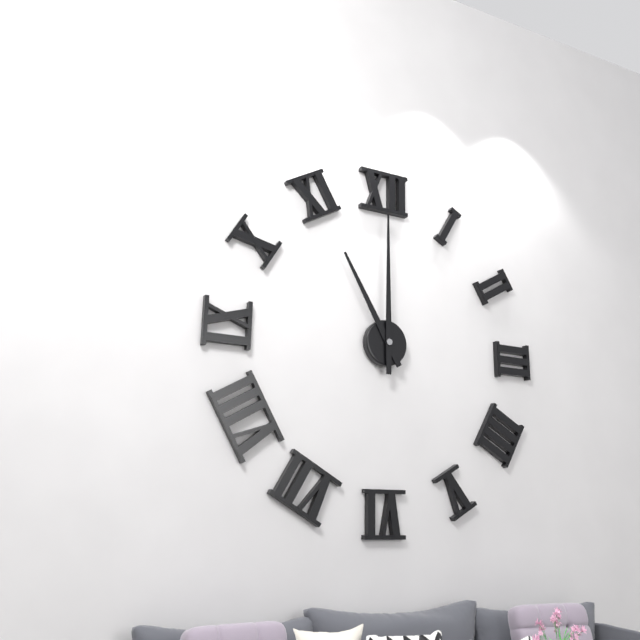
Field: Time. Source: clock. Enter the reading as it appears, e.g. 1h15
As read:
11h00
